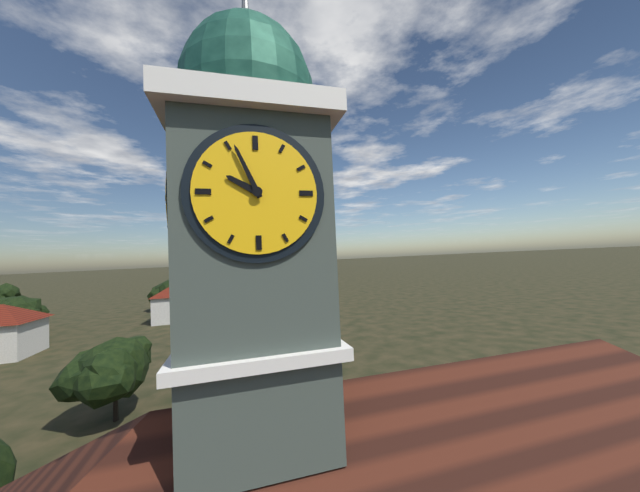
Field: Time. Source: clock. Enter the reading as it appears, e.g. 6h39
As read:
9h56
